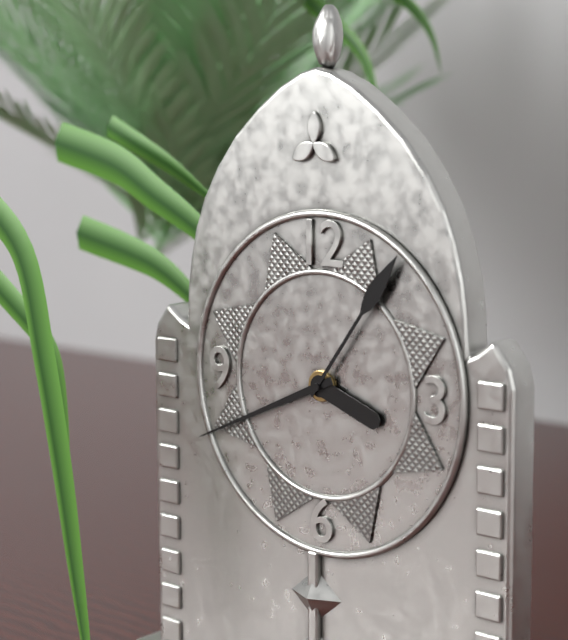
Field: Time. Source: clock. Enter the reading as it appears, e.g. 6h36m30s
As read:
3h41m06s
